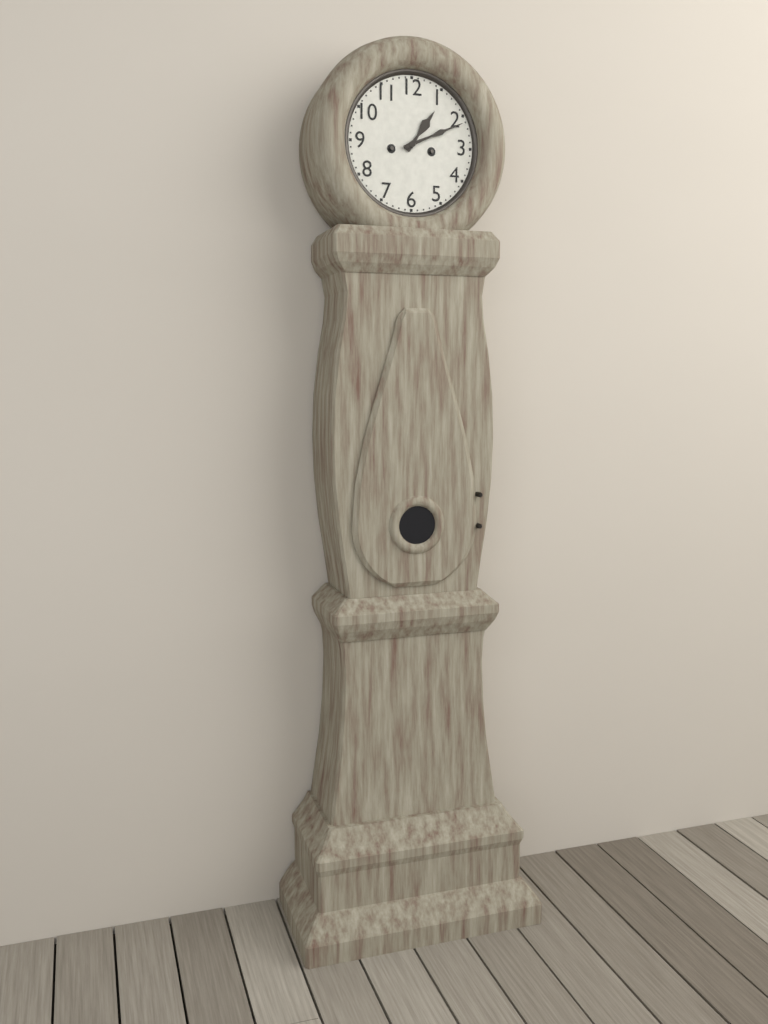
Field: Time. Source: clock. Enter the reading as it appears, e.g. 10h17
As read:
1h11
